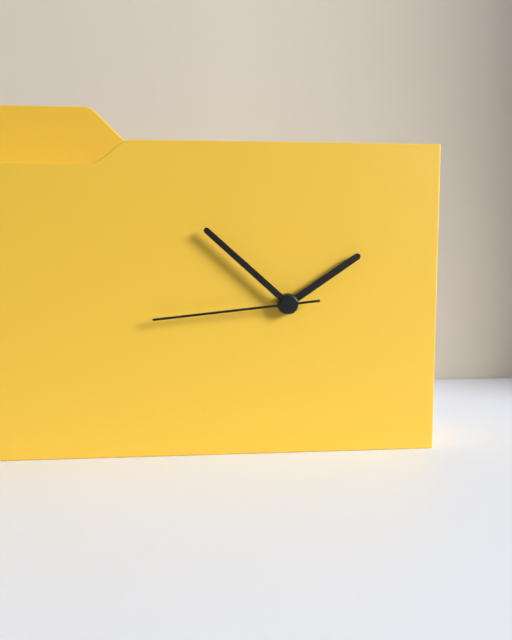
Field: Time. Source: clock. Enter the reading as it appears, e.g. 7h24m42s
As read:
1h52m44s
